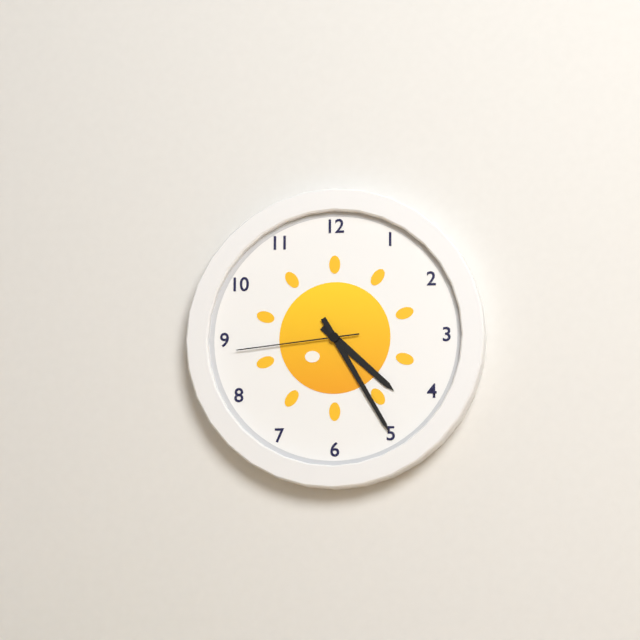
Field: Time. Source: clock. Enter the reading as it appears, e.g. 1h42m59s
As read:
4h25m44s
